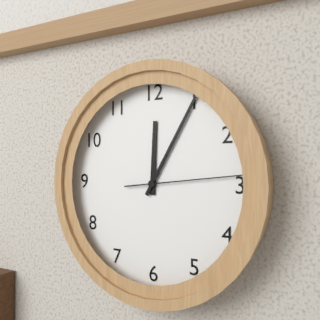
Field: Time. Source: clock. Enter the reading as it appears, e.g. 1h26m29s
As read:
12h05m14s
